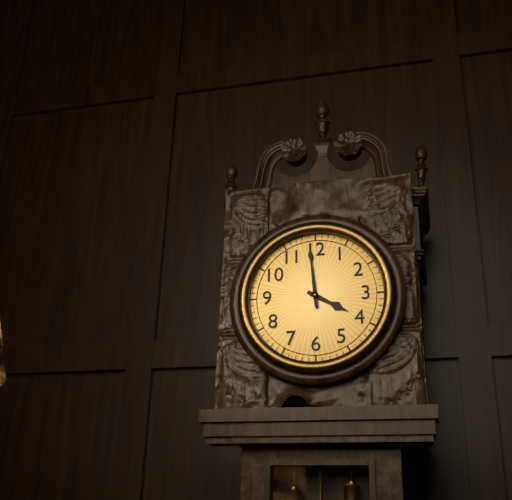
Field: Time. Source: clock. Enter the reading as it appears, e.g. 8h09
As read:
3h59
